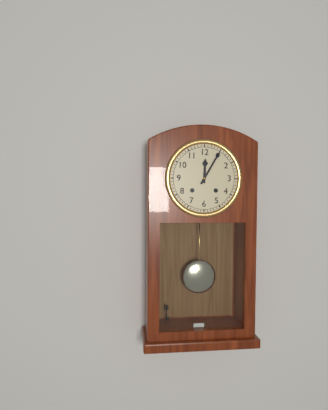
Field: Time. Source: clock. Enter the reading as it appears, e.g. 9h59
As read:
12h05
